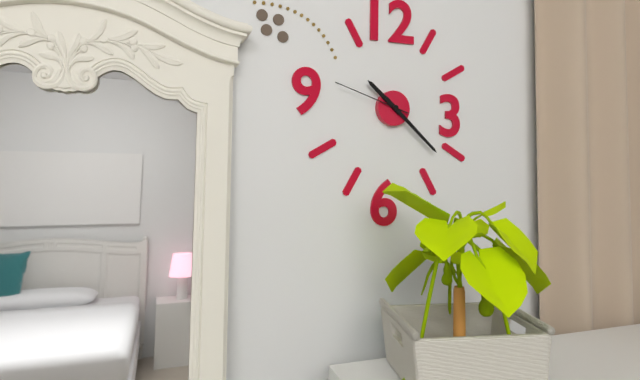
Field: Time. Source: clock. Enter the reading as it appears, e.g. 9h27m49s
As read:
10h22m48s
